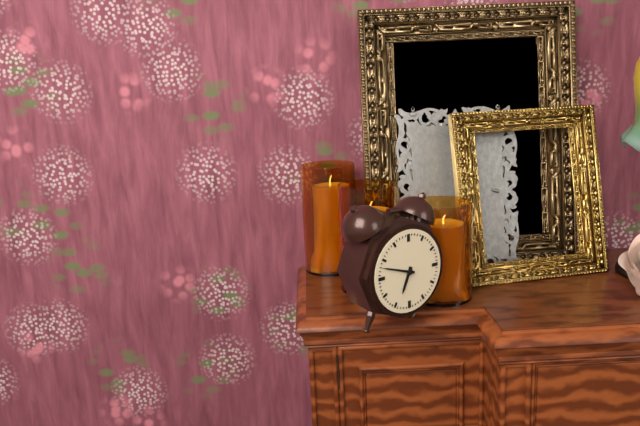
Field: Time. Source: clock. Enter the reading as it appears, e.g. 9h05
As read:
6h48
